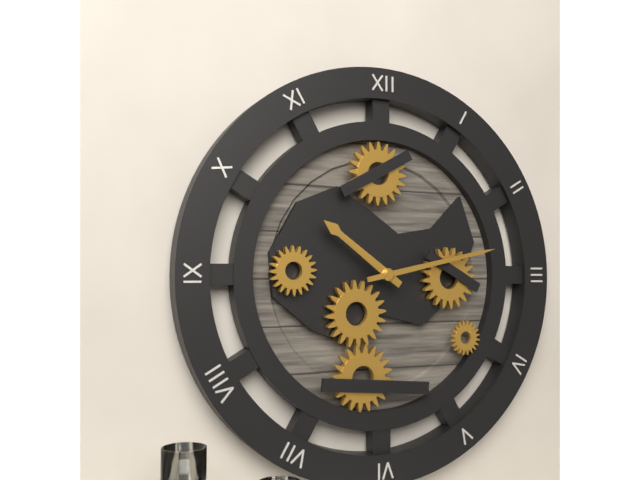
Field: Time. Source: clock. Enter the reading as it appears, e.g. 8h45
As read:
10h13
